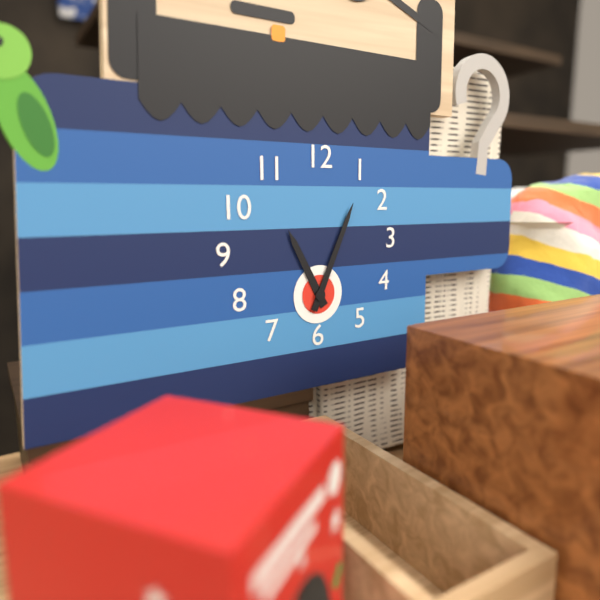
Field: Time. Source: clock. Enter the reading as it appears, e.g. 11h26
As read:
11h04
